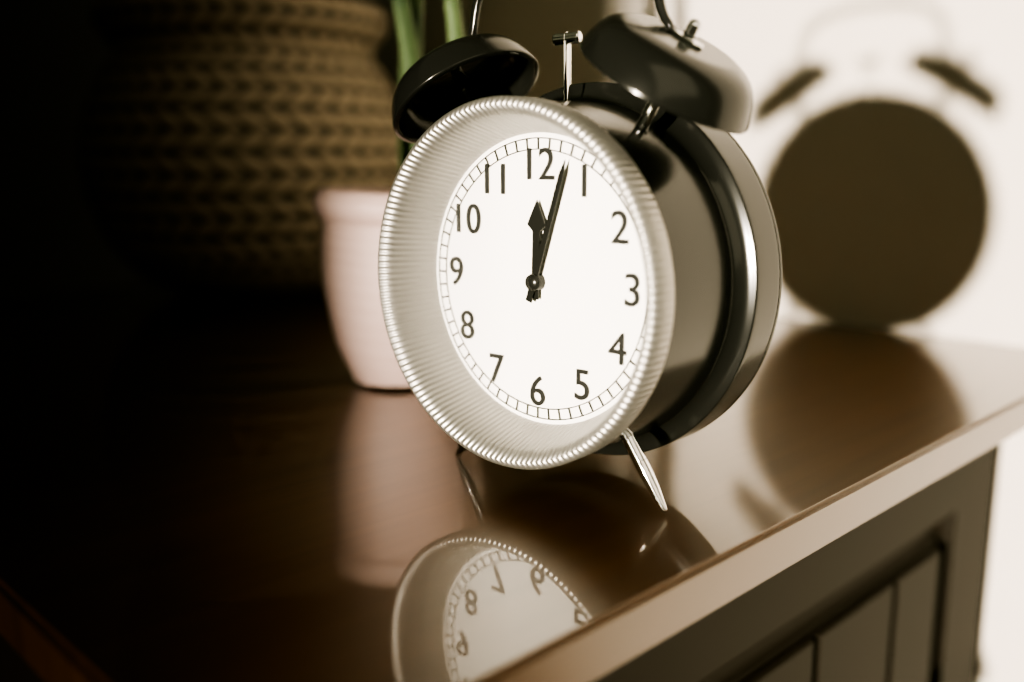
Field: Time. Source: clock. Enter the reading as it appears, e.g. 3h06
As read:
12h03
